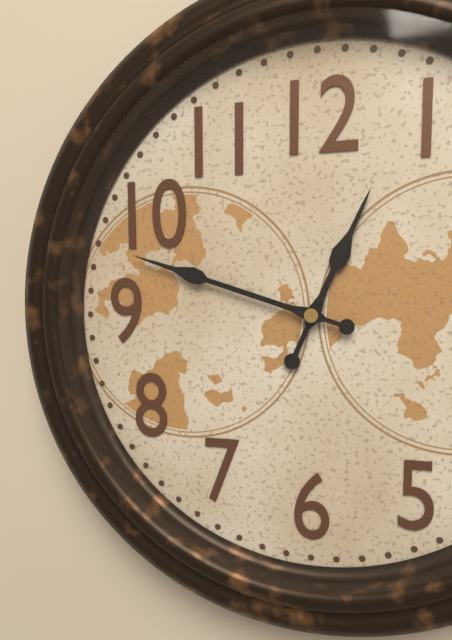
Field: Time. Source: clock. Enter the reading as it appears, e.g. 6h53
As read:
12h48
